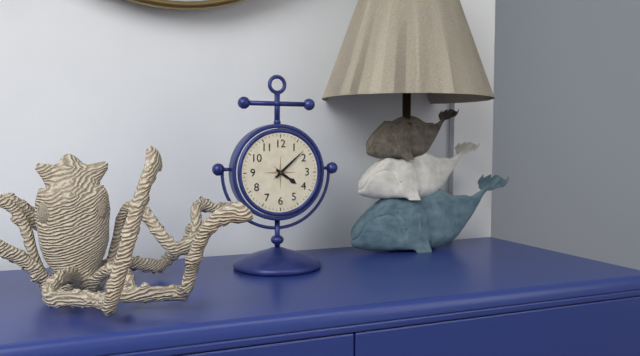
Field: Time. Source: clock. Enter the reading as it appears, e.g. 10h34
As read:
4h08
